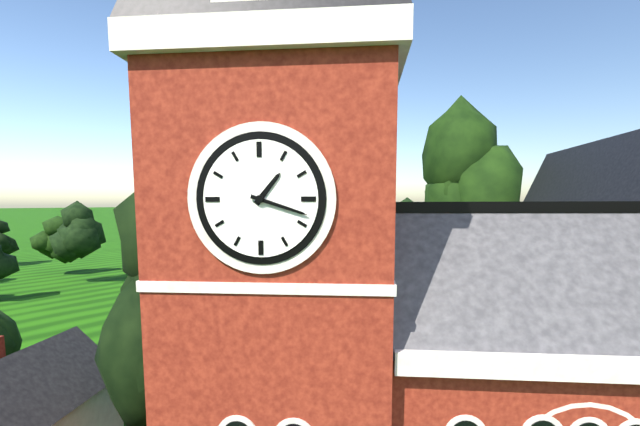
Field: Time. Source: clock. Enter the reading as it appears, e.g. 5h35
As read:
1h18
